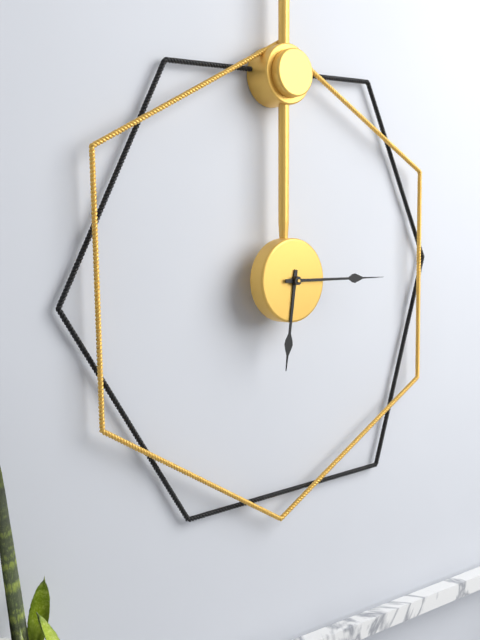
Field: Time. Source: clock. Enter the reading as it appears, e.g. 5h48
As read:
6h15
